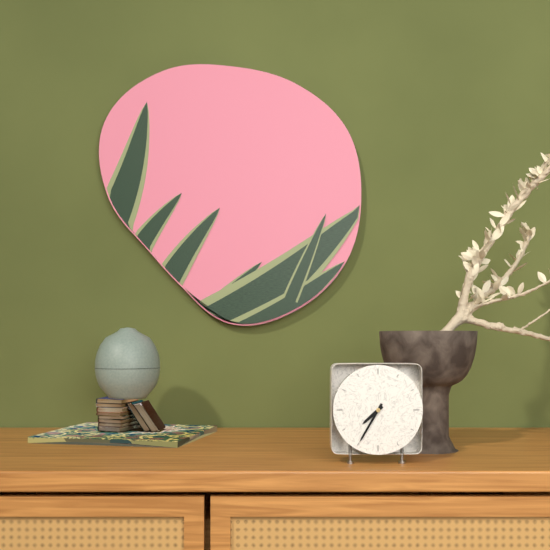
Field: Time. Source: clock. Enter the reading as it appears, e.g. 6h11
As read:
7h35
